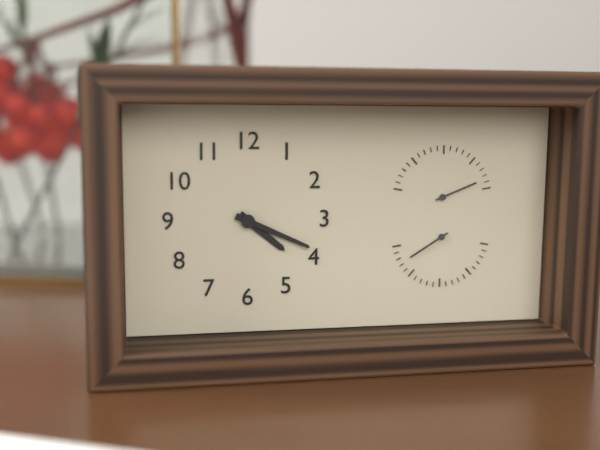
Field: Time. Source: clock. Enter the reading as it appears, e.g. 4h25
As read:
4h19
